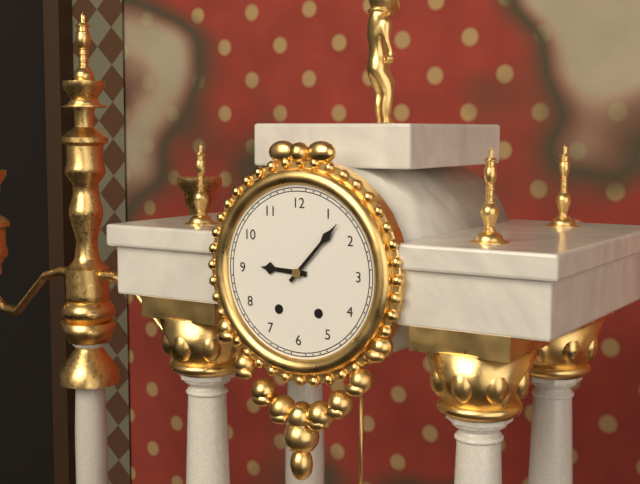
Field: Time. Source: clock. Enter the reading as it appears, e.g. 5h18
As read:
9h07
